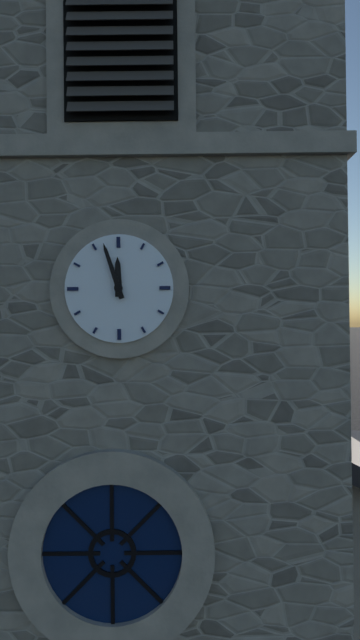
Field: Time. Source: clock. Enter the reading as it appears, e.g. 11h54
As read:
11h57
